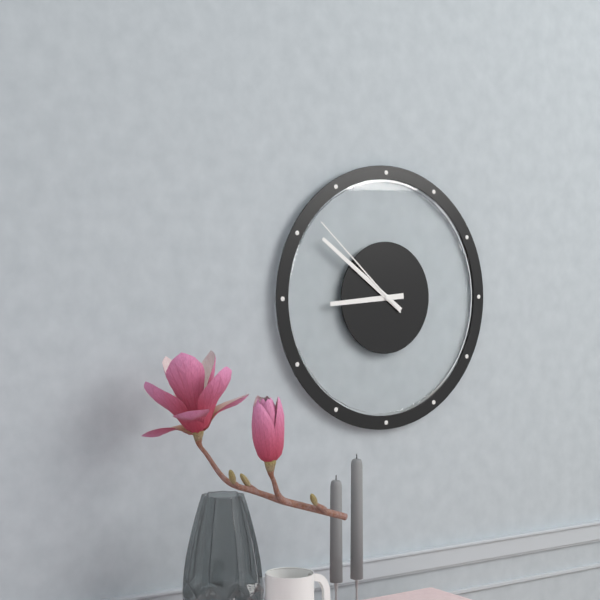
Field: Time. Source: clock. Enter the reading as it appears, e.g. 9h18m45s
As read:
8h51m52s
